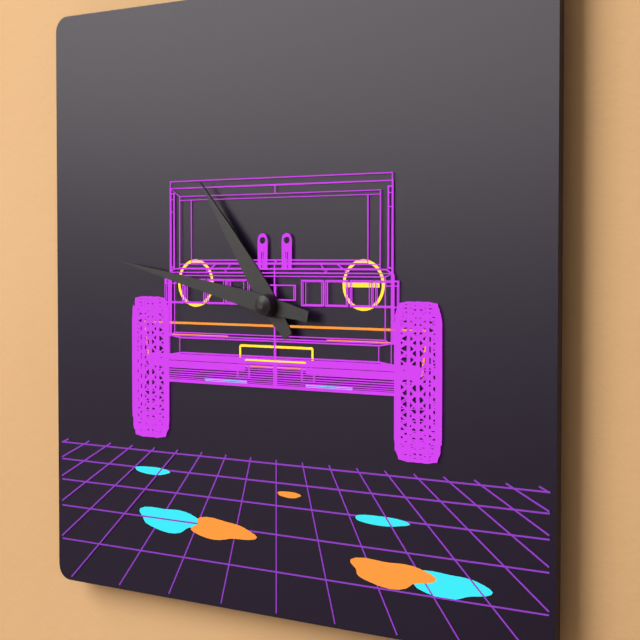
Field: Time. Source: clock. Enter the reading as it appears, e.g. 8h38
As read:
10h47
